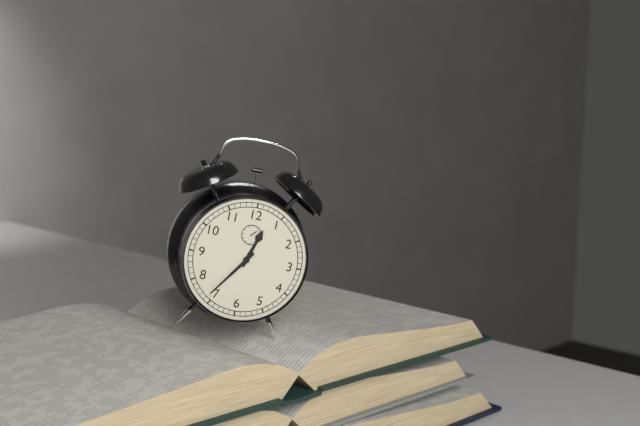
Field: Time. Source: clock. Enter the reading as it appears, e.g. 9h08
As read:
12h36
